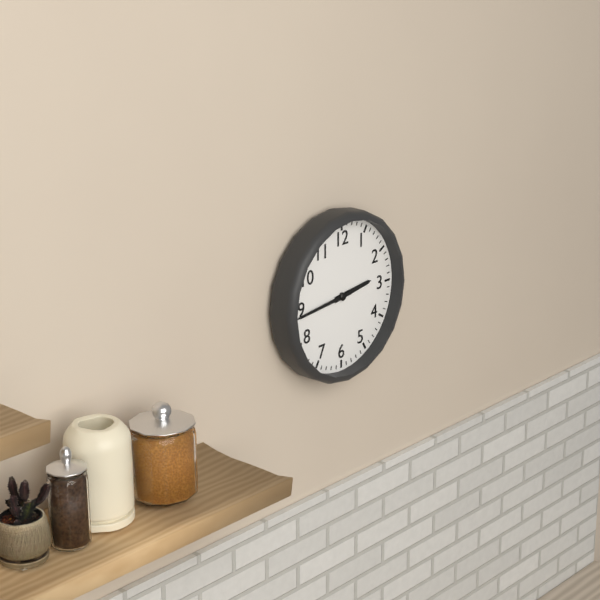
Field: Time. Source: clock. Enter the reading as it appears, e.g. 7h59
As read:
2h44
